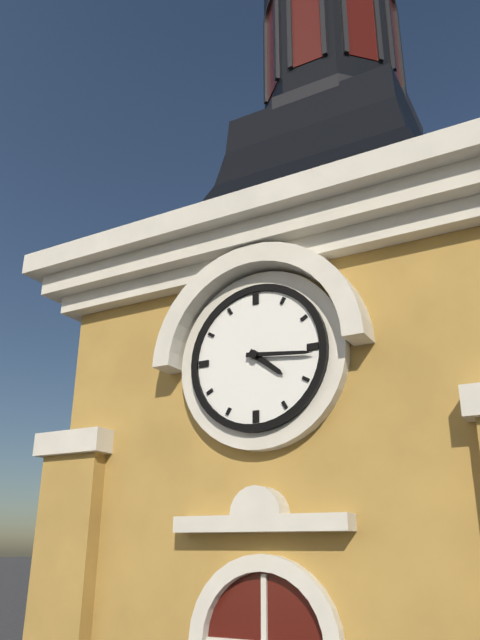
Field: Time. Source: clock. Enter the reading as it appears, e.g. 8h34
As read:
4h16
